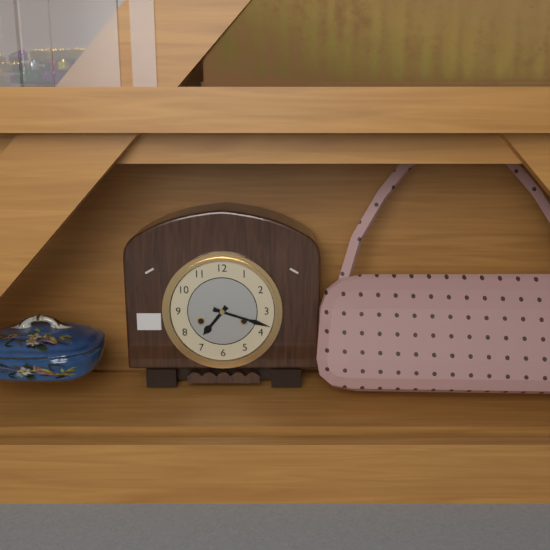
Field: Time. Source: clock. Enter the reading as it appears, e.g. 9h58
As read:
7h18
